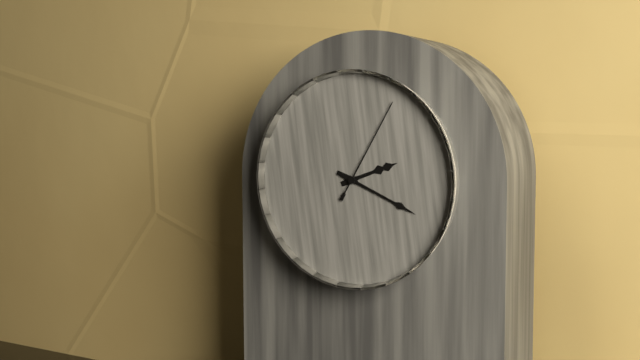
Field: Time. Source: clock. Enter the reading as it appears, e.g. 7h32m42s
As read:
2h19m05s
